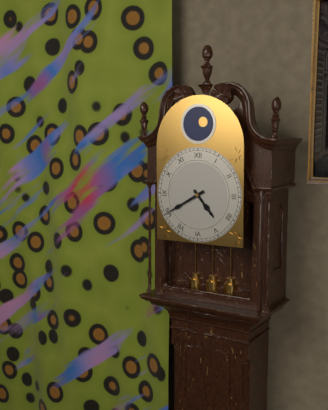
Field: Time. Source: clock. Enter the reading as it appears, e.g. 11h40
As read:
4h40
